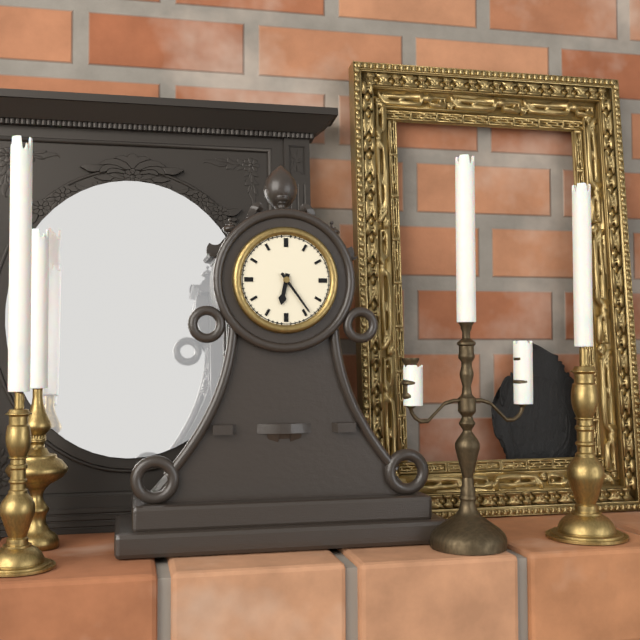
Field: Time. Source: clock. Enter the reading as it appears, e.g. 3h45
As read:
6h24
